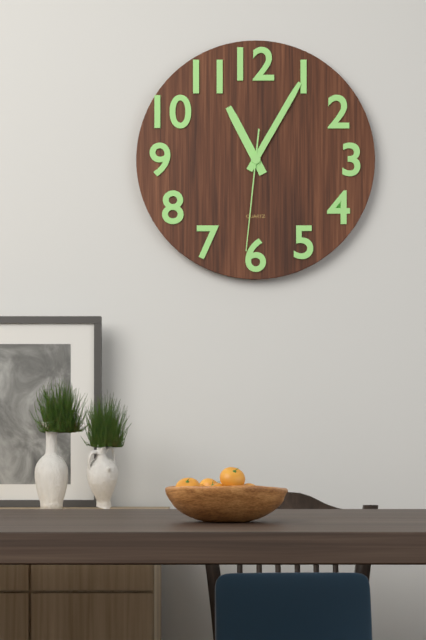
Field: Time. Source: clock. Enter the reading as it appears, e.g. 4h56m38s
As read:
11h05m31s
